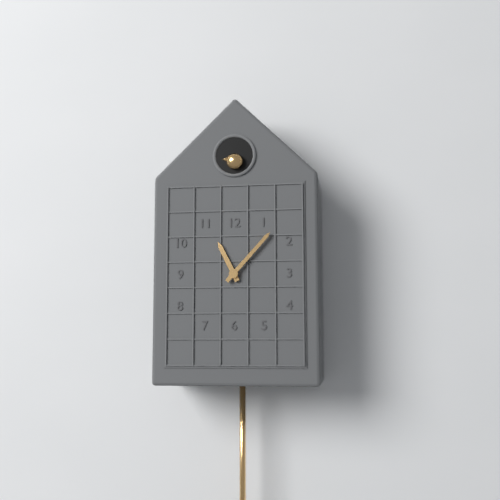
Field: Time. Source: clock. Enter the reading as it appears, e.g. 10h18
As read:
11h07
